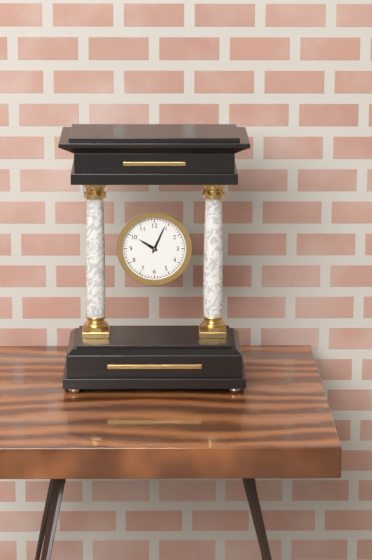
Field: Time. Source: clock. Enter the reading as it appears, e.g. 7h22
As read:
10h04
